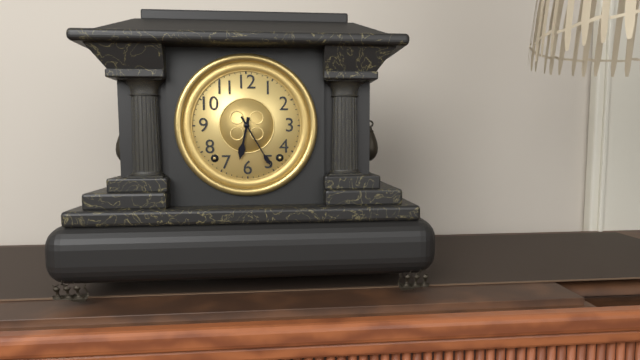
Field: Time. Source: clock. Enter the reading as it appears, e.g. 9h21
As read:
6h25
